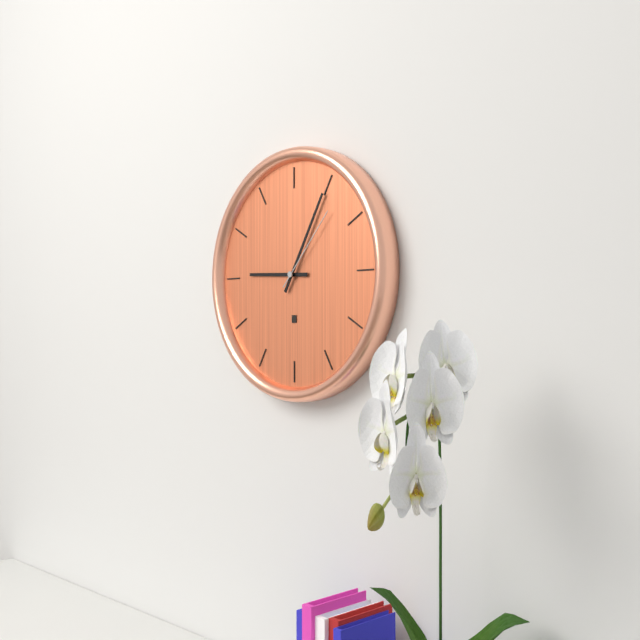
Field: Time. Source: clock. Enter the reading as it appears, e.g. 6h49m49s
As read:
9h05m07s
